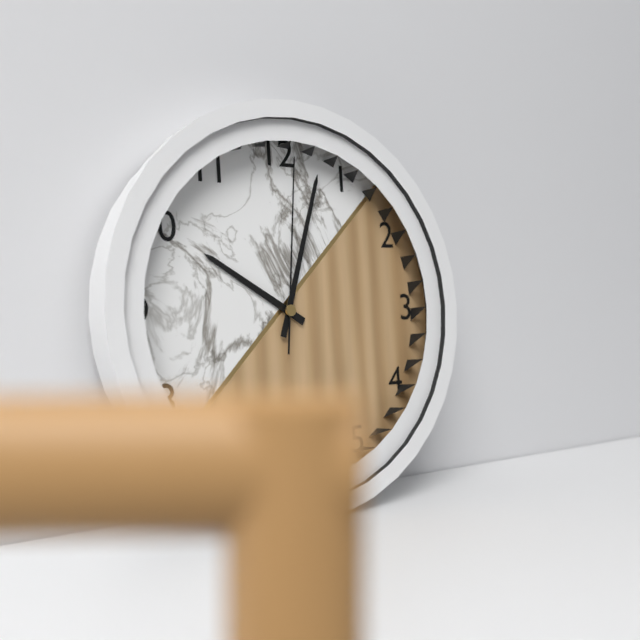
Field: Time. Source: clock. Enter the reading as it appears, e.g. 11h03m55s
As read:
10h03m01s
